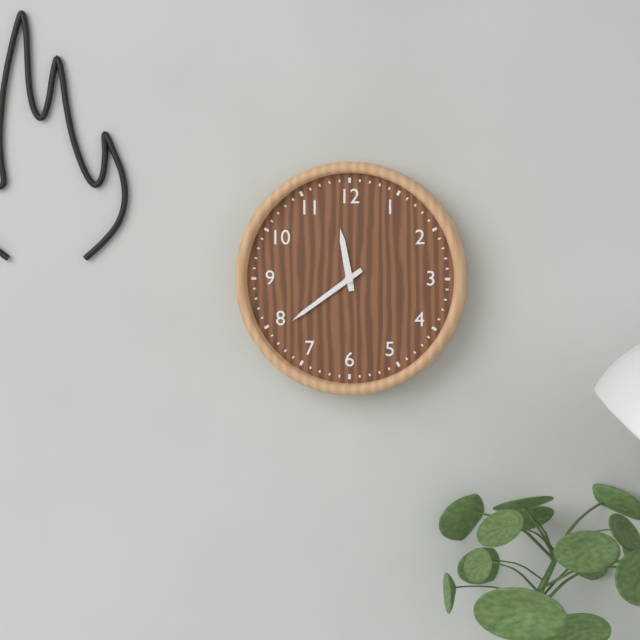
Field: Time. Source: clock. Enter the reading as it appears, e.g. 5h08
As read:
11h39
